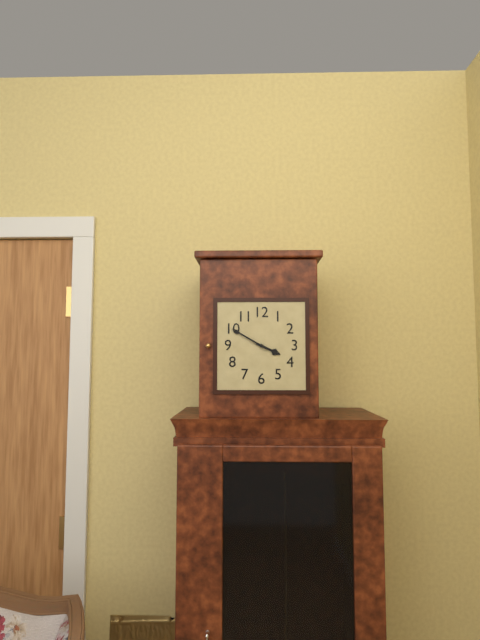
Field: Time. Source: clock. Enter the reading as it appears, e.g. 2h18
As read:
3h50
